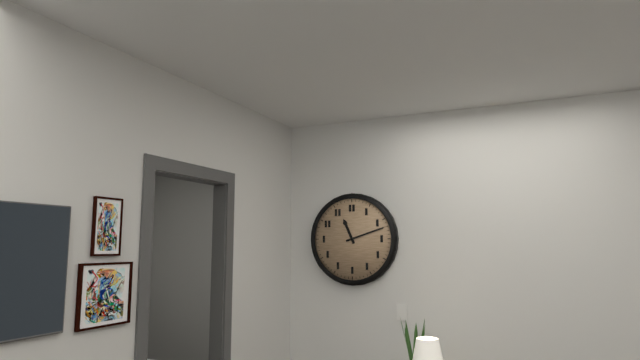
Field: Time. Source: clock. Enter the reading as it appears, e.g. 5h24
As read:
11h12
